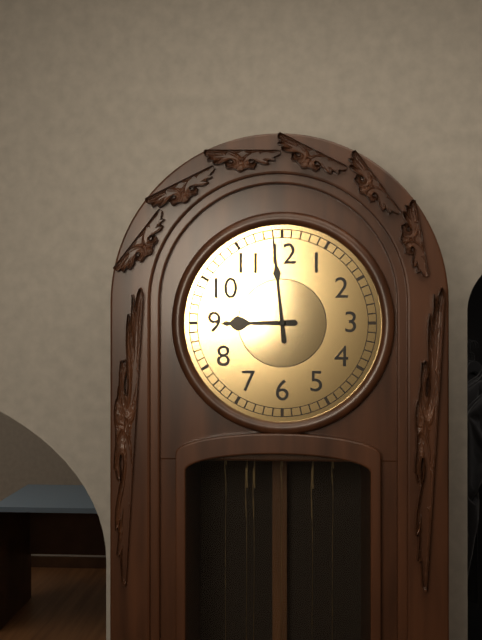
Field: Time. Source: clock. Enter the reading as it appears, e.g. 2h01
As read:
8h59
